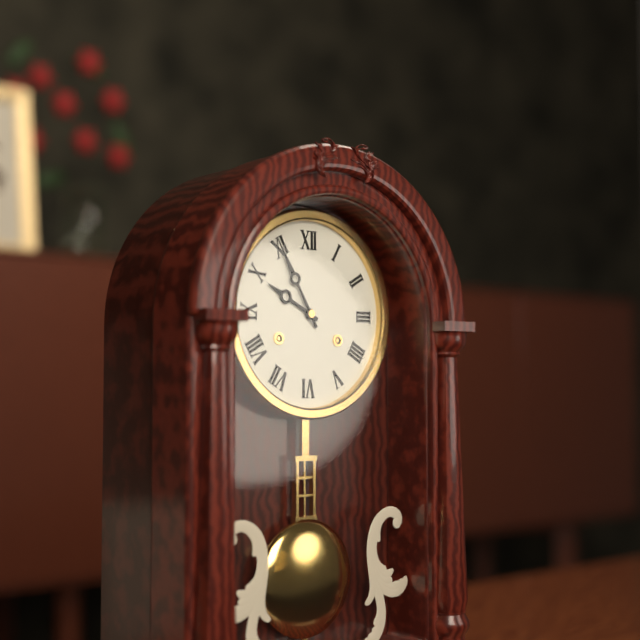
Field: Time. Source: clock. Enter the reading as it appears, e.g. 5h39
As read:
9h55
